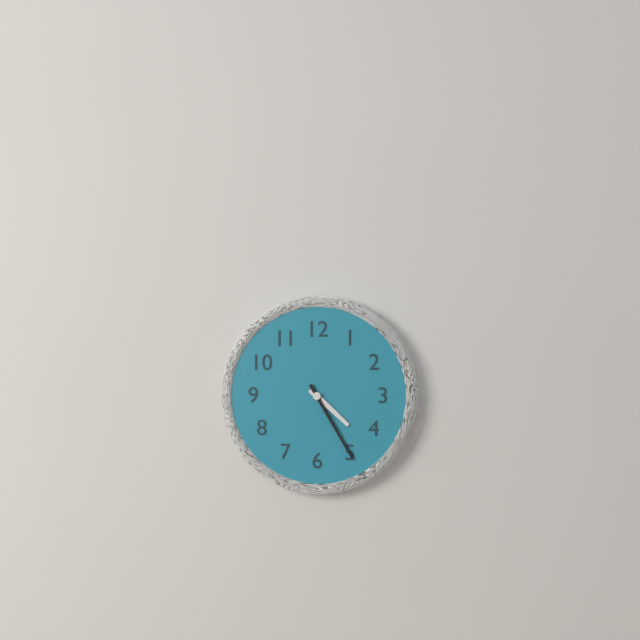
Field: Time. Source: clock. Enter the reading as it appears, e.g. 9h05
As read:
4h25
